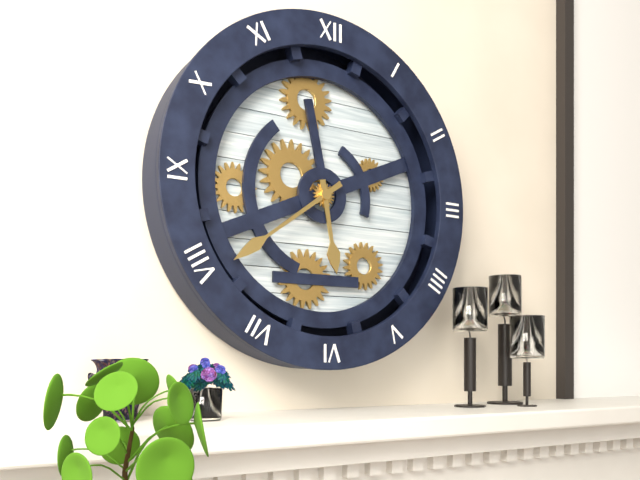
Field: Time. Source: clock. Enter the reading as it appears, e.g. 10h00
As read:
5h39
